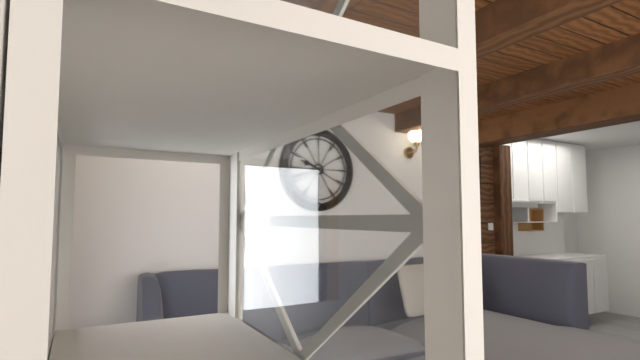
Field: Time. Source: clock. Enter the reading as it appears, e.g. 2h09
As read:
9h42
